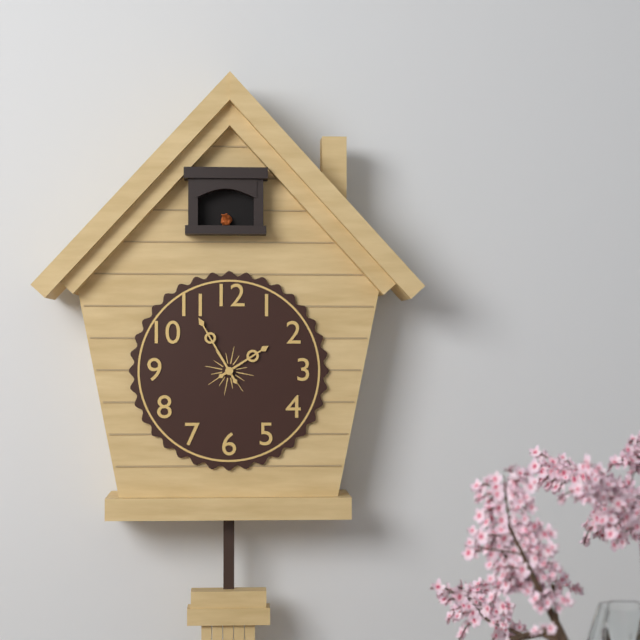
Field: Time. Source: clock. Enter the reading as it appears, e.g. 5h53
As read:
1h55
